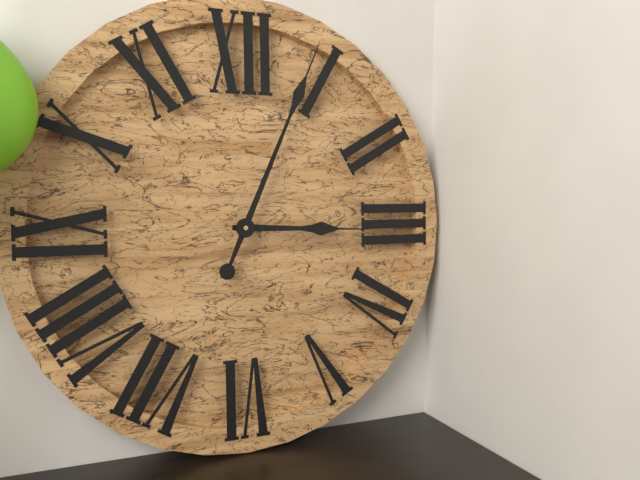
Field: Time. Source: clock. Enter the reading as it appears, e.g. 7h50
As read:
3h04
